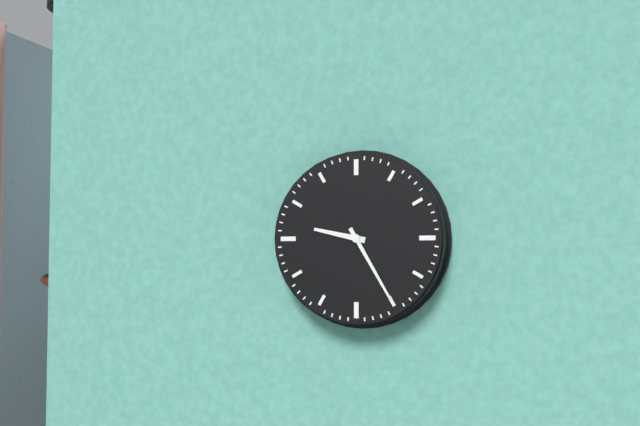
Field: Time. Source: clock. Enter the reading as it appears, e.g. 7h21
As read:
9h25
